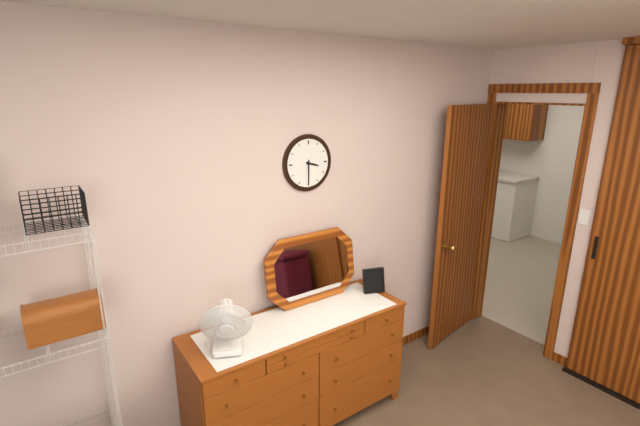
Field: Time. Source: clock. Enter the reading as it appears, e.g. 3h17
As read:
3h30
